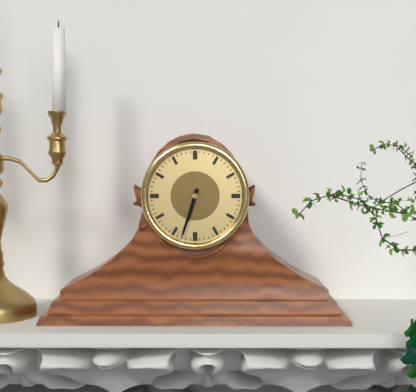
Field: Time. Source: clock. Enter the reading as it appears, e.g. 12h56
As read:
6h33
